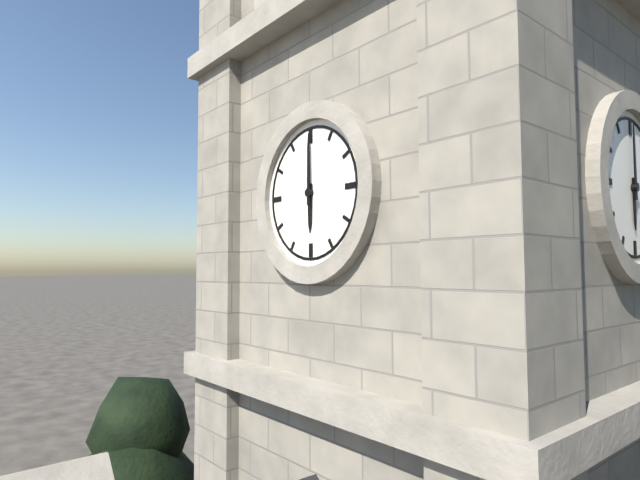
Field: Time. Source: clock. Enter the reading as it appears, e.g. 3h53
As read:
6h00
